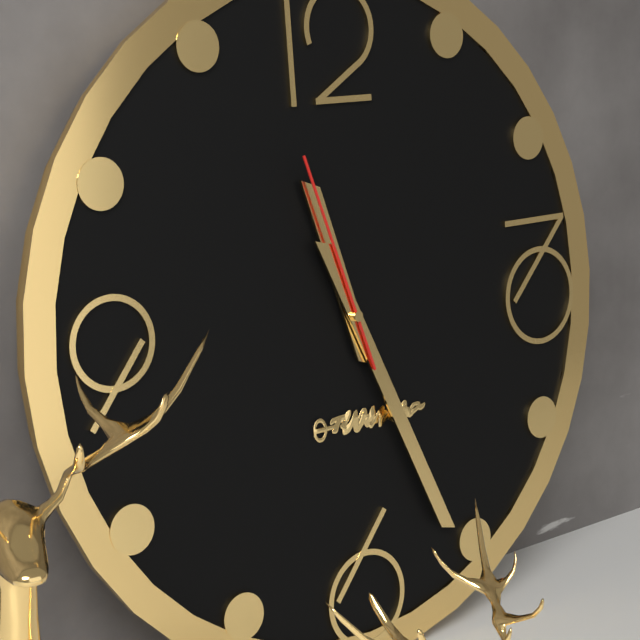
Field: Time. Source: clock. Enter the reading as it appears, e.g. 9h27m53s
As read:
11h26m57s
